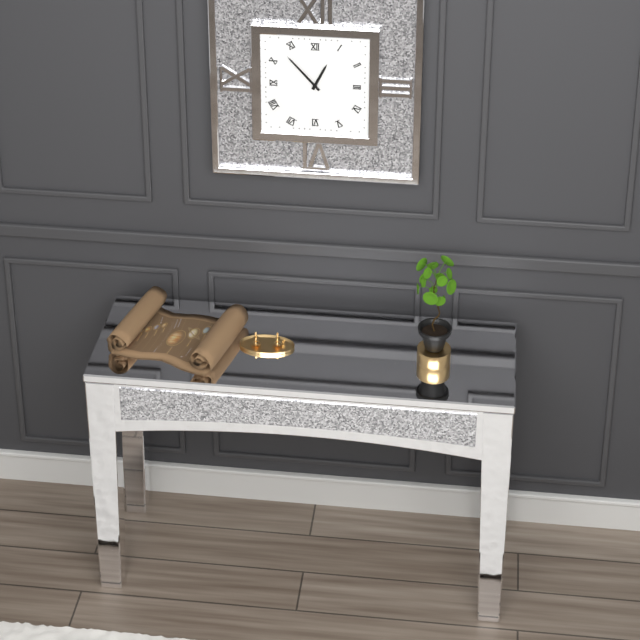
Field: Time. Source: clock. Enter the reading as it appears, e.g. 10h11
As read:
12h53
